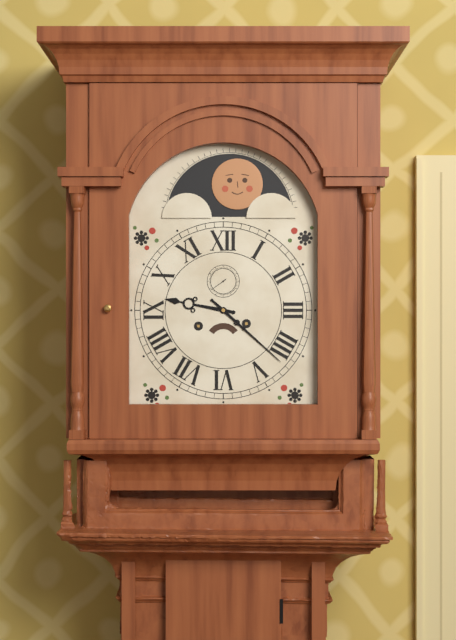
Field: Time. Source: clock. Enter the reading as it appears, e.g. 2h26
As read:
9h22
